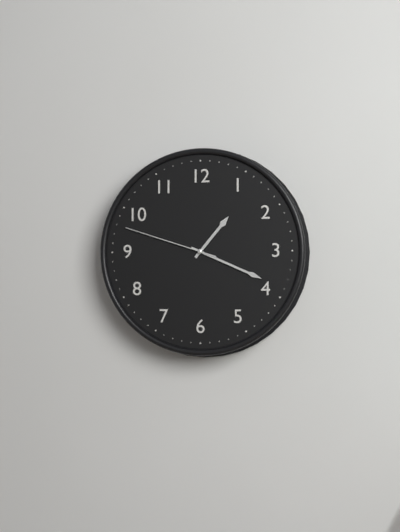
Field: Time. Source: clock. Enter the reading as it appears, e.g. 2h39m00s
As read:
1h19m48s
